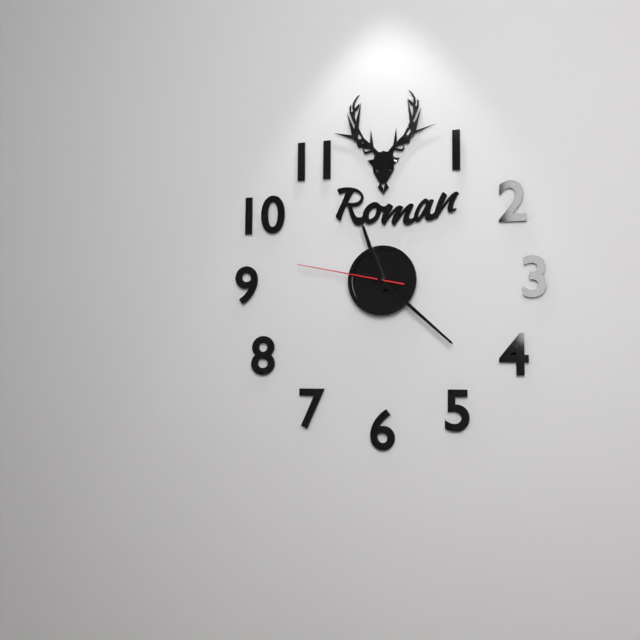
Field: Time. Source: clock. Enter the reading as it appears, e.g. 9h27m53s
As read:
11h22m47s
